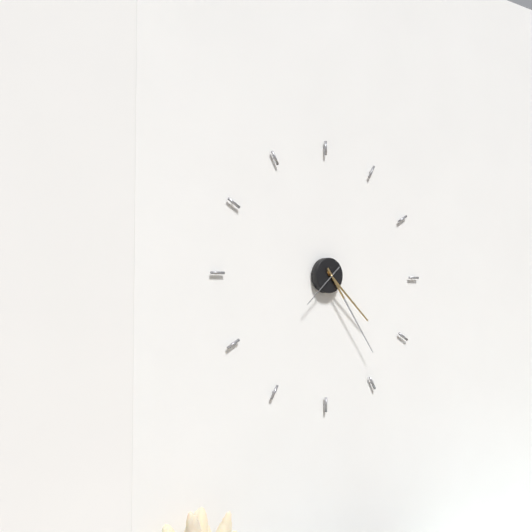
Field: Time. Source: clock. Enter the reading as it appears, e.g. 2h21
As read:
4h24
